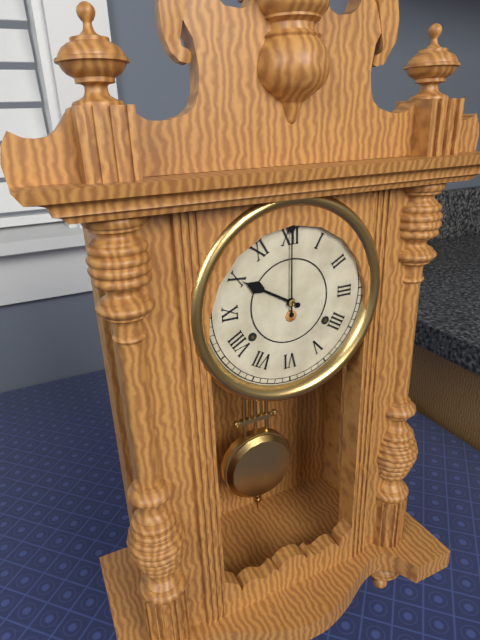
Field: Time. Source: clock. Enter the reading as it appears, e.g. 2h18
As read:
10h00
